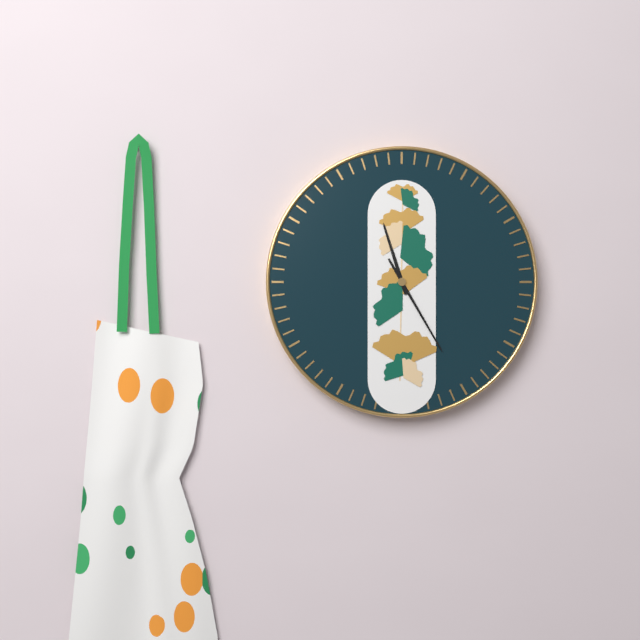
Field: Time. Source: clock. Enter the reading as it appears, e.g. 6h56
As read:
11h25
